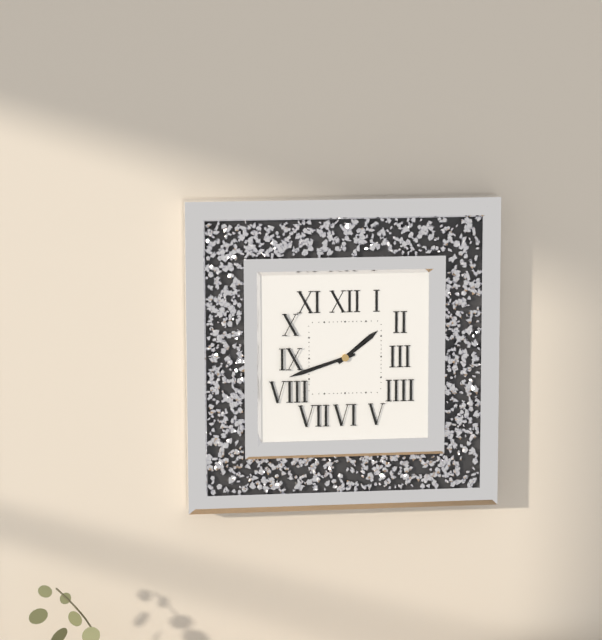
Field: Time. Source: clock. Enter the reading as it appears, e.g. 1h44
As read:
1h42
